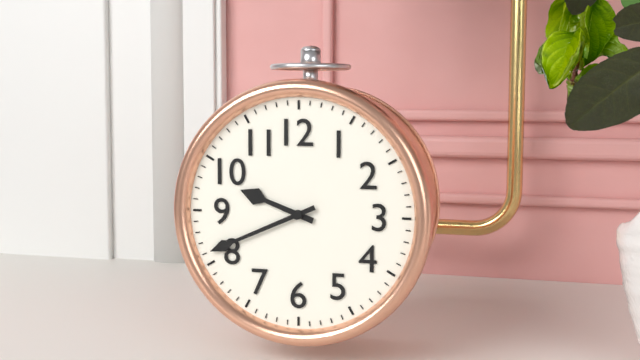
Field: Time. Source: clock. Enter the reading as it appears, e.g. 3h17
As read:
9h41
